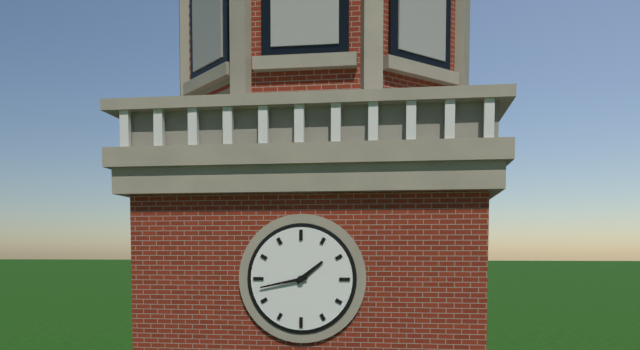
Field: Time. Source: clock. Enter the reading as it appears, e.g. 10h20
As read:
1h43
